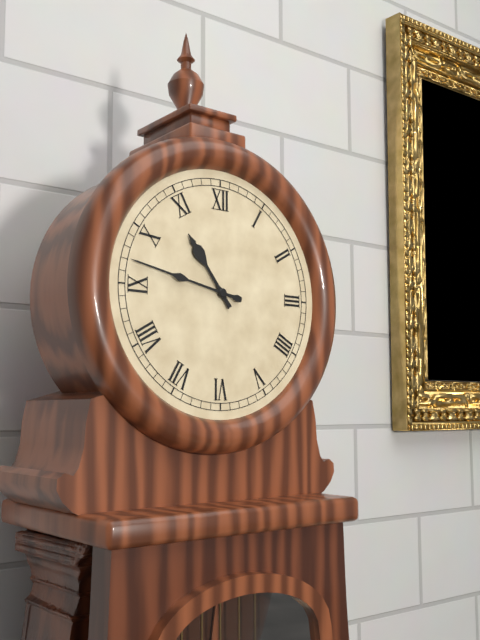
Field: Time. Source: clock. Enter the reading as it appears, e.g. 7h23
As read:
10h47
